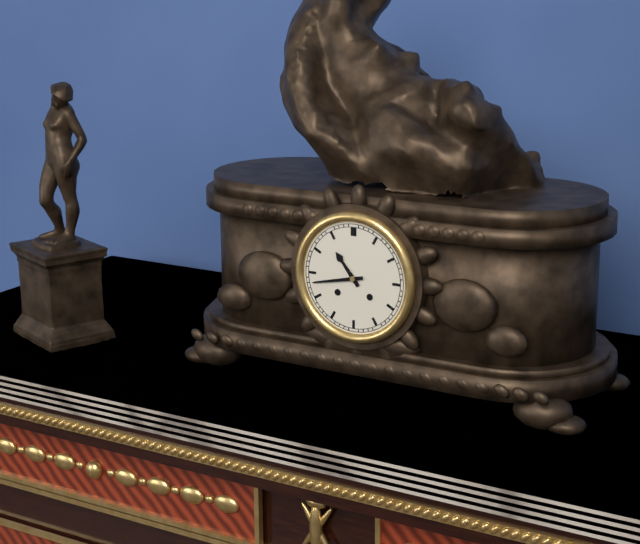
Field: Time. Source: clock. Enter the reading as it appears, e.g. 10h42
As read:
10h43
